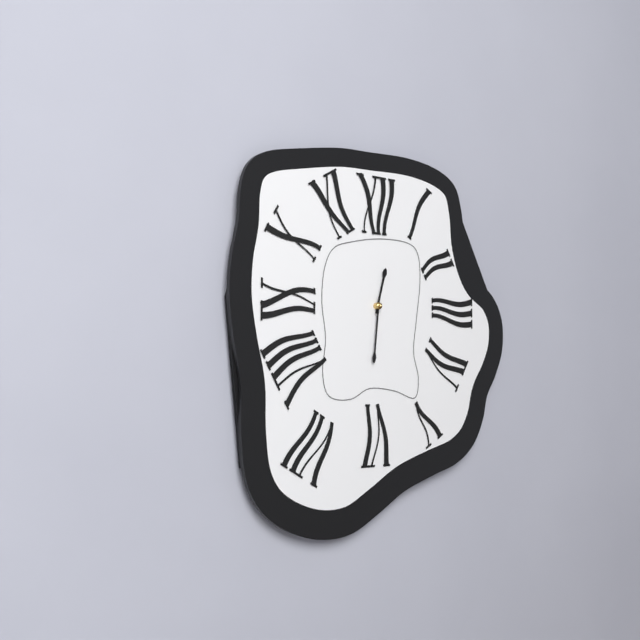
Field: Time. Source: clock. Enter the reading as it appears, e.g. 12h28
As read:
12h31
